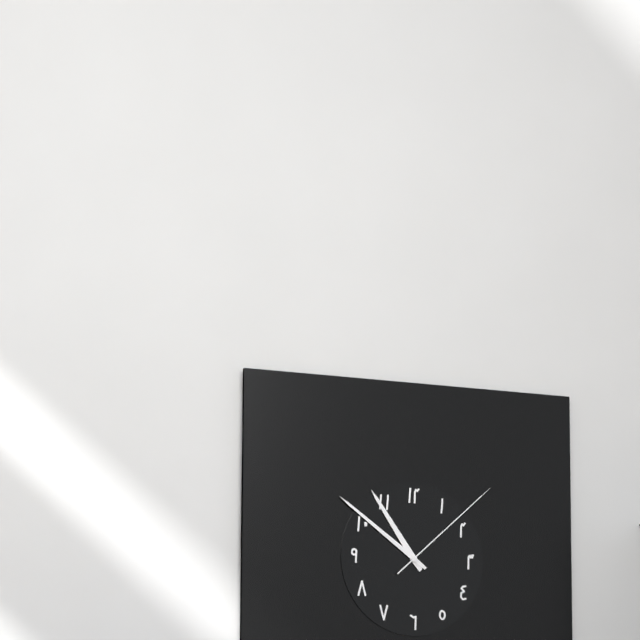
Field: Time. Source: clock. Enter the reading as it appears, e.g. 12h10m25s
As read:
10h51m08s
